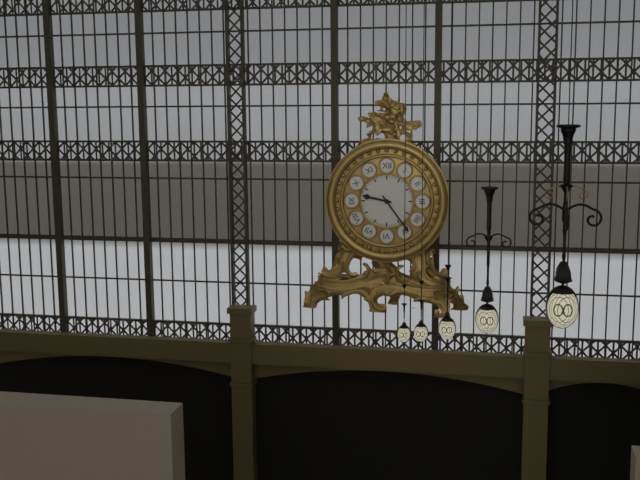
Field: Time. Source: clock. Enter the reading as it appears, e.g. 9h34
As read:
9h24
